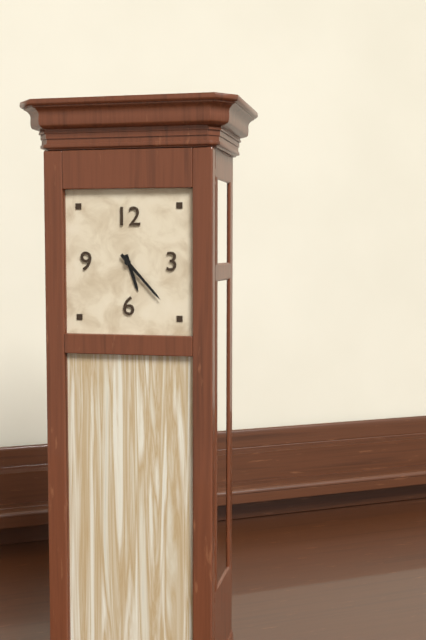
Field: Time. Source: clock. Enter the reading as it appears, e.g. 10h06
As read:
5h23
